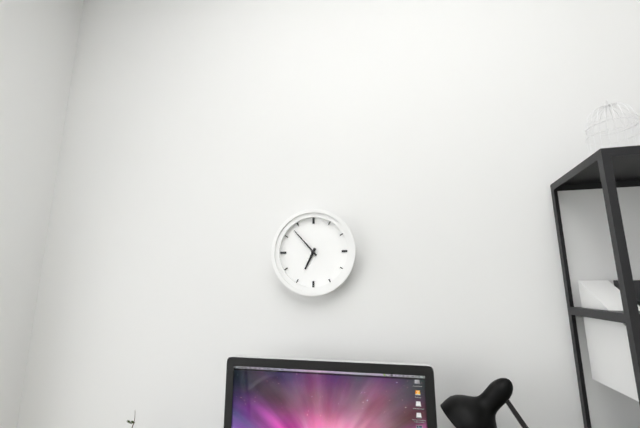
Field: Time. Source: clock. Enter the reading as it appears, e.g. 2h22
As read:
6h53
